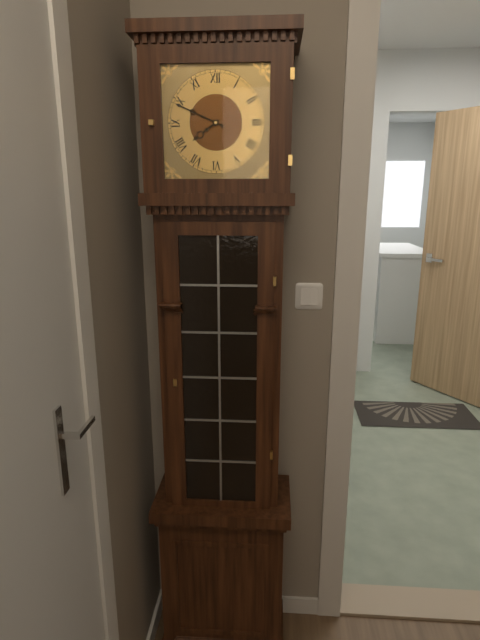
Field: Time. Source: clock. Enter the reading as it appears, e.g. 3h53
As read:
7h49
